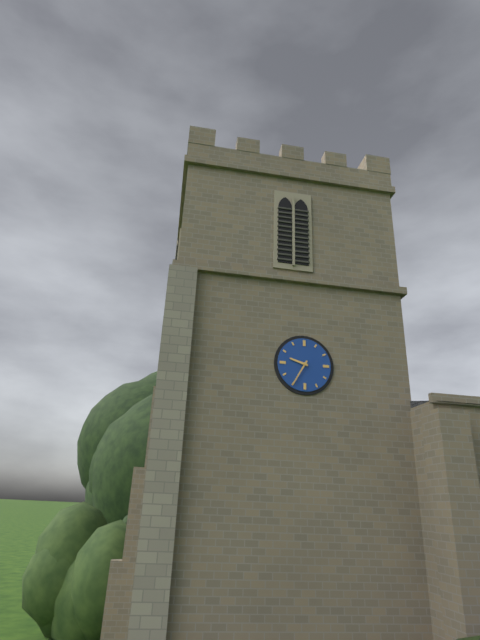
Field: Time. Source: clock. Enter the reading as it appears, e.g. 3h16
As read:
9h35
